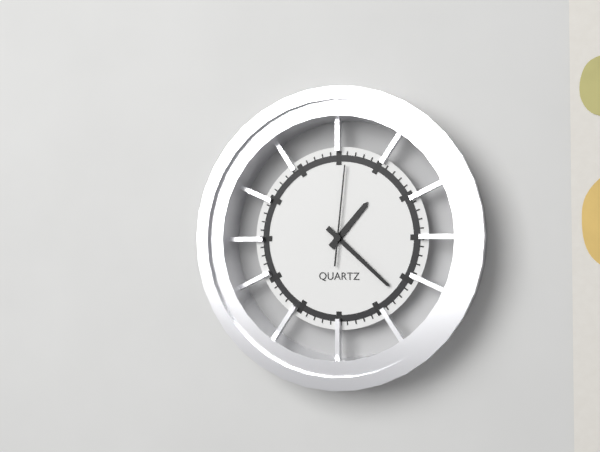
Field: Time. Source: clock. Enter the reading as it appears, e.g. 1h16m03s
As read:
1h22m01s
